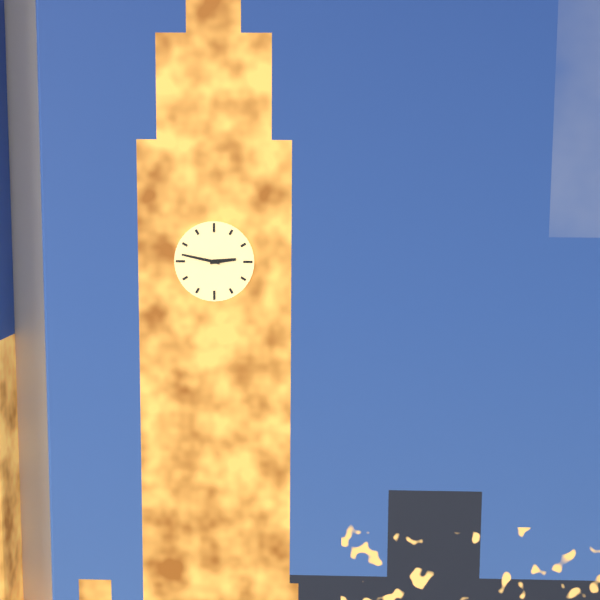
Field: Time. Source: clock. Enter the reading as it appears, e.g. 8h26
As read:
2h47
